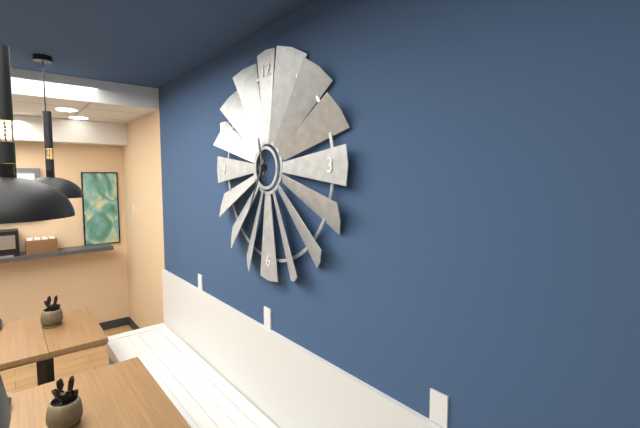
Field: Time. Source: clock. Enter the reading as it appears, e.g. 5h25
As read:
11h35
